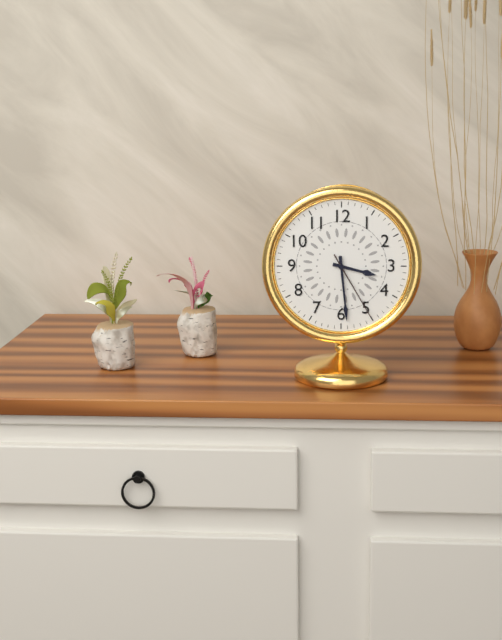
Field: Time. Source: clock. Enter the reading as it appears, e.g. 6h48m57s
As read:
3h29m25s
